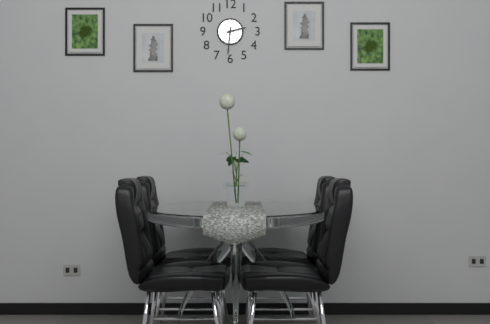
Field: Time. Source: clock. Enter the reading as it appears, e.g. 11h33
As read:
2h31
